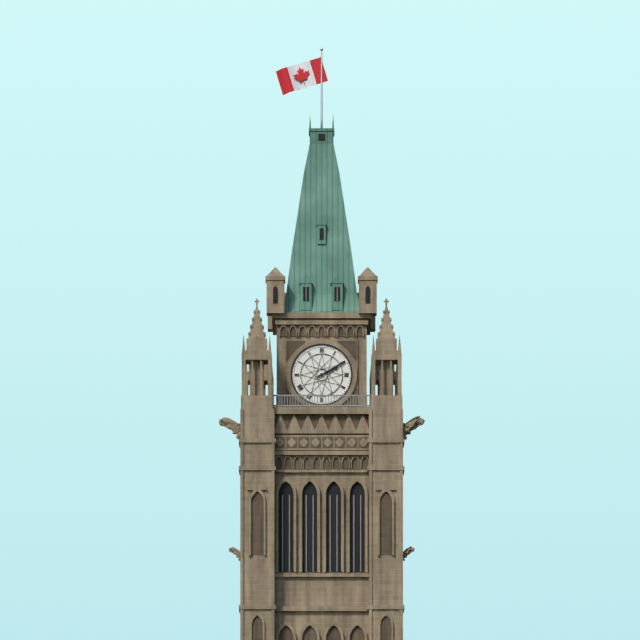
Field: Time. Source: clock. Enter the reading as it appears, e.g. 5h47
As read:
2h10
